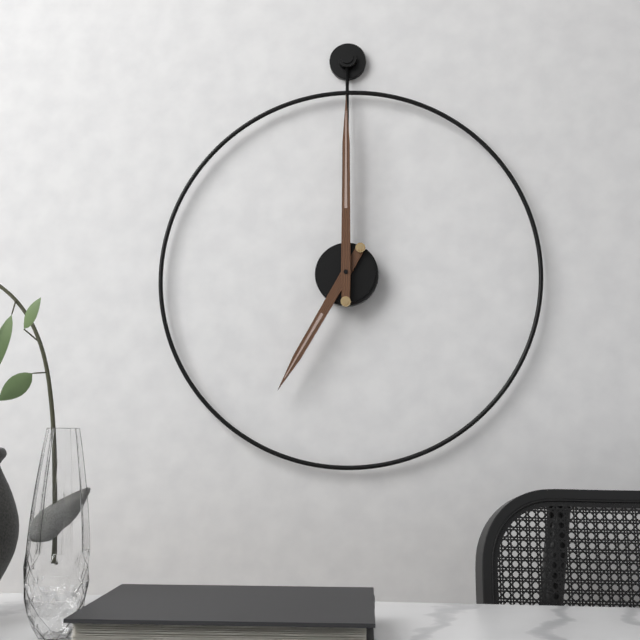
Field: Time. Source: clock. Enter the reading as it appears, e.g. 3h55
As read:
7h00
